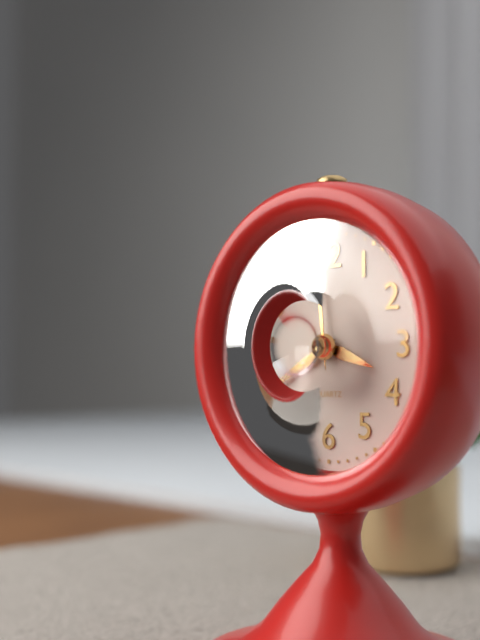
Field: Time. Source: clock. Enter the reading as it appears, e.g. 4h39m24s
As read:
3h40m59s
